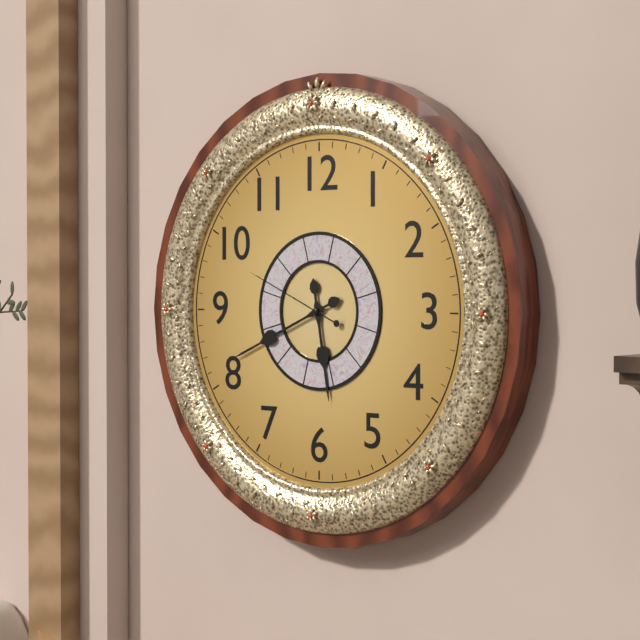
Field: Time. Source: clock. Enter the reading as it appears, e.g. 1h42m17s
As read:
5h41m49s
